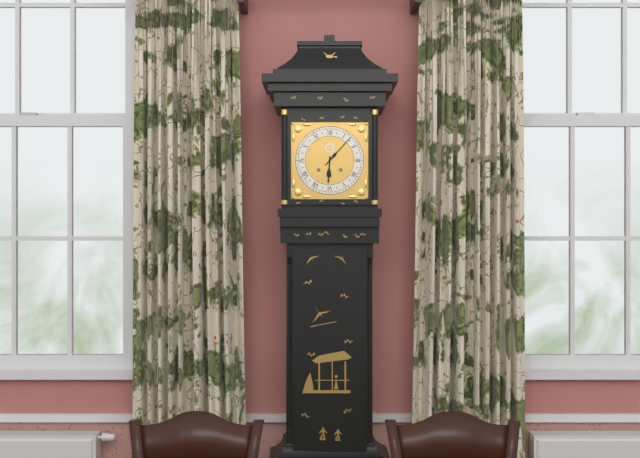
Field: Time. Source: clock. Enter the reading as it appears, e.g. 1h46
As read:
6h07
